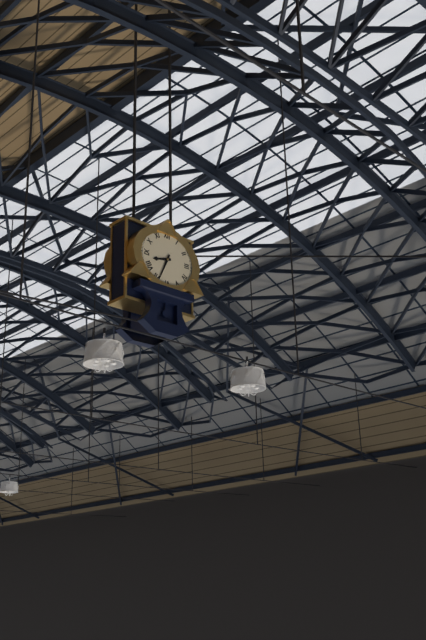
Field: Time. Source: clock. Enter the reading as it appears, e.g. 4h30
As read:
8h34
